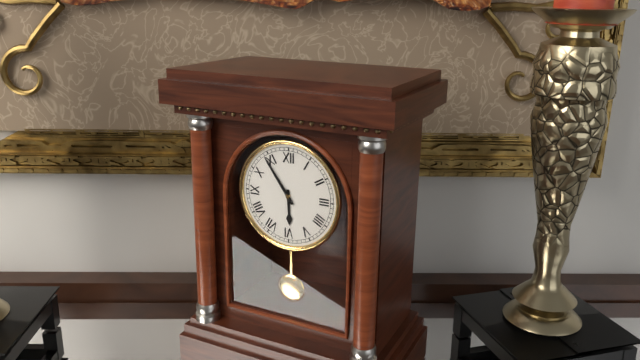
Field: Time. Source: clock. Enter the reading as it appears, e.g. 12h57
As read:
5h54
